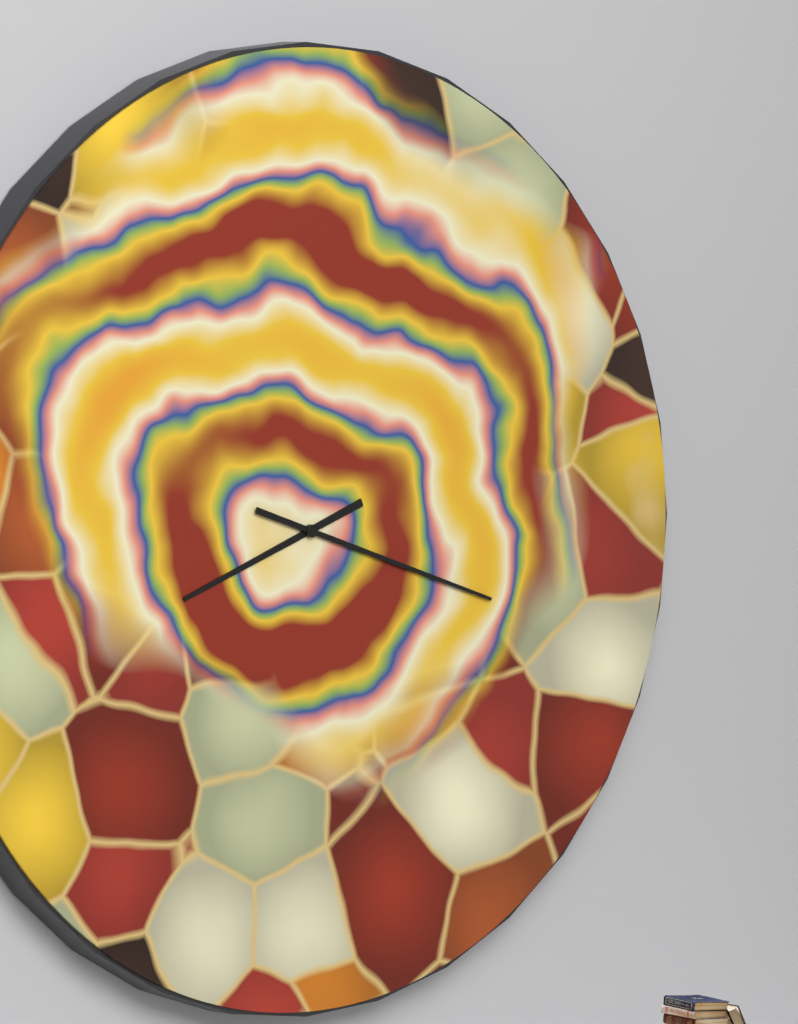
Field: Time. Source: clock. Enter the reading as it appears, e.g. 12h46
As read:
8h18
